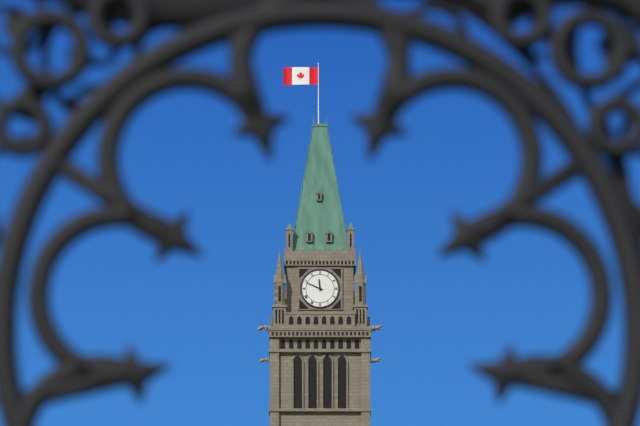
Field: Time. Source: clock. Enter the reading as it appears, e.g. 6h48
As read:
11h49
